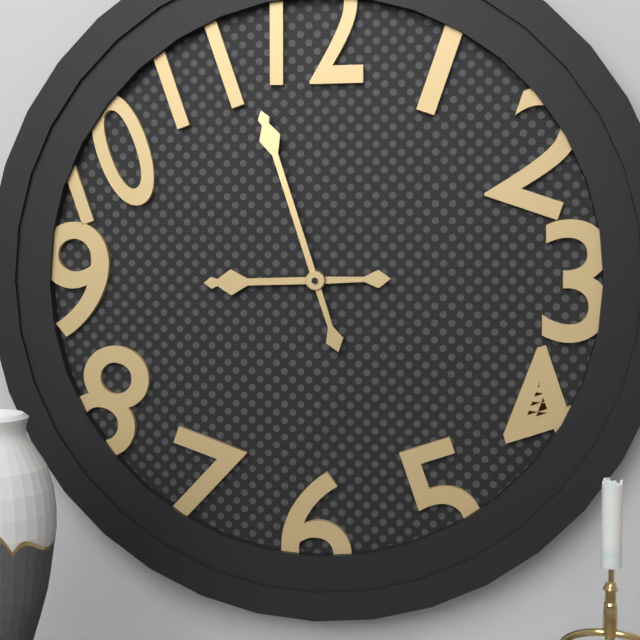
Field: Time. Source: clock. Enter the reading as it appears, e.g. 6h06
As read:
8h57
